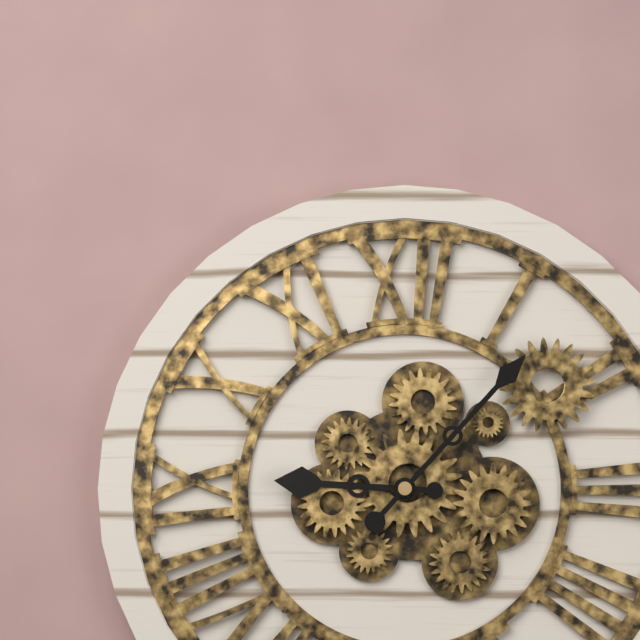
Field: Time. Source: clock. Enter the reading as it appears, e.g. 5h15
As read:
9h07
